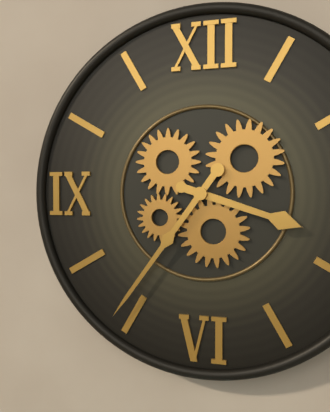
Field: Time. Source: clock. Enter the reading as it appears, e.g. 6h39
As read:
3h36
